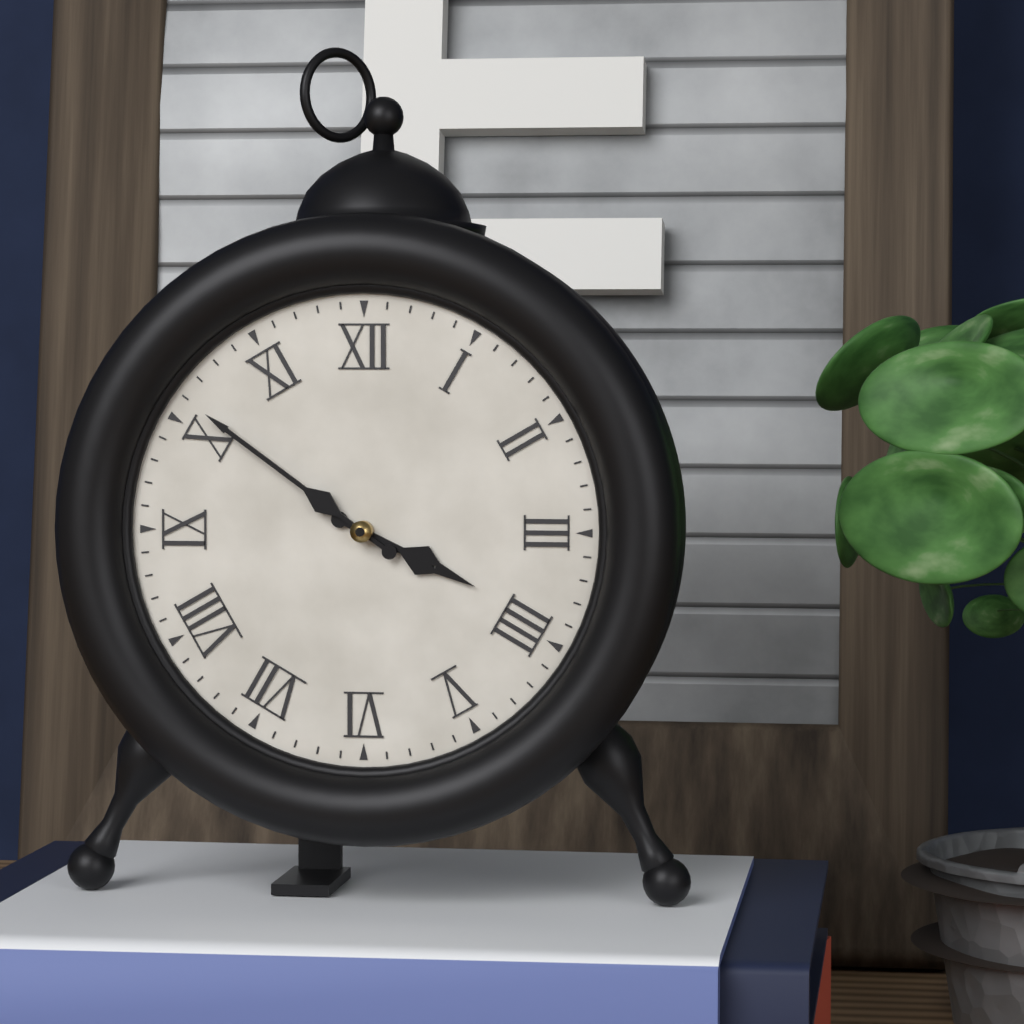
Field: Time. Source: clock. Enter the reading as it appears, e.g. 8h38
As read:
3h51
